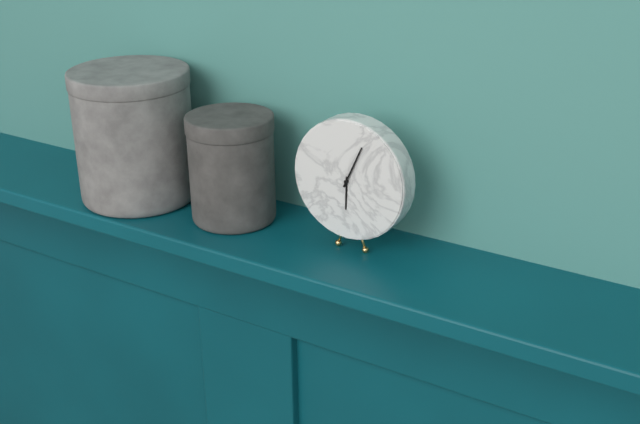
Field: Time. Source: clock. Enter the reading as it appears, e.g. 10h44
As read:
6h04
